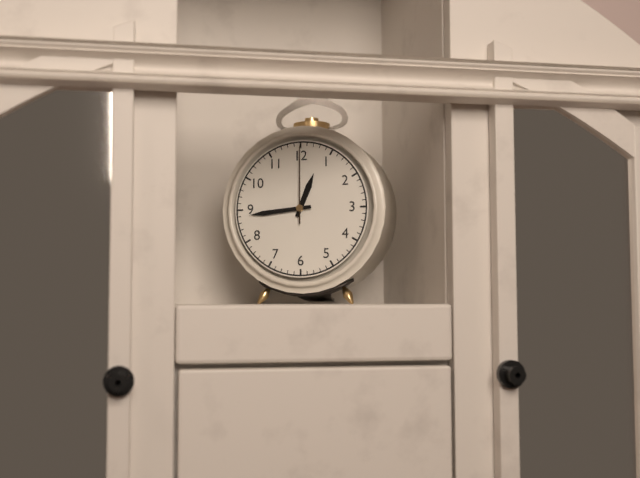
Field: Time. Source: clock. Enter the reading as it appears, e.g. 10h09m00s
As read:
12h44m00s
